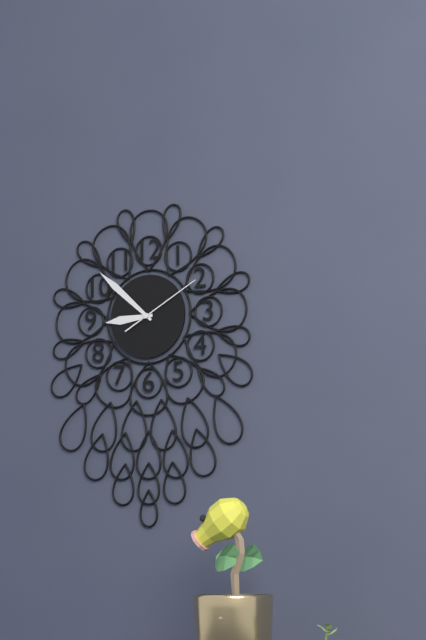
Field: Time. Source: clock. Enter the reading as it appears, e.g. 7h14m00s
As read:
8h52m10s
